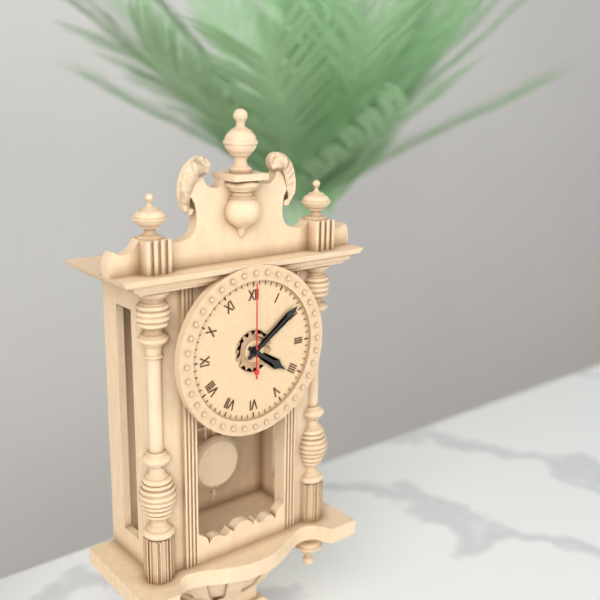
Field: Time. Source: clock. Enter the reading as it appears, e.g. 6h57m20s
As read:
4h09m00s
